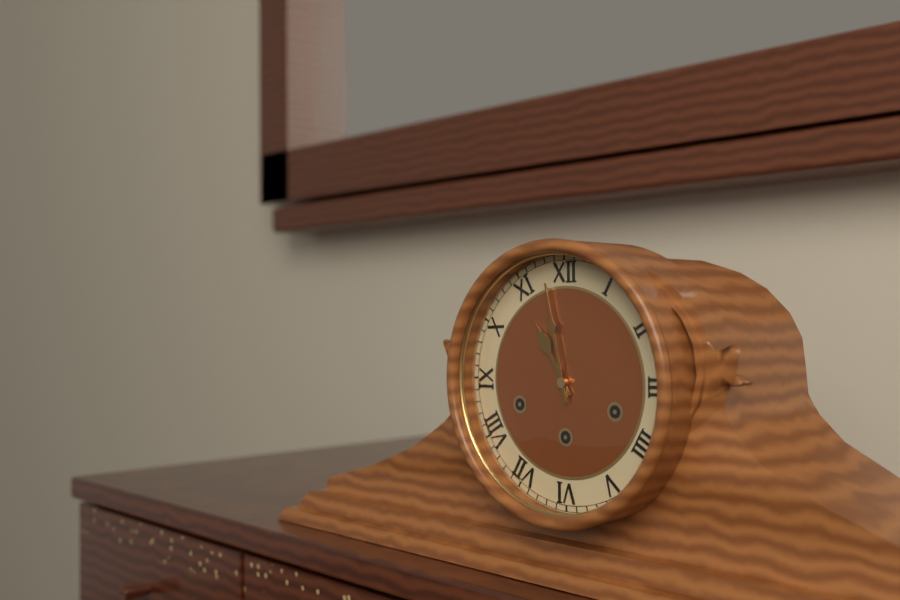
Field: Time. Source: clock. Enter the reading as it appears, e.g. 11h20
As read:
10h58
